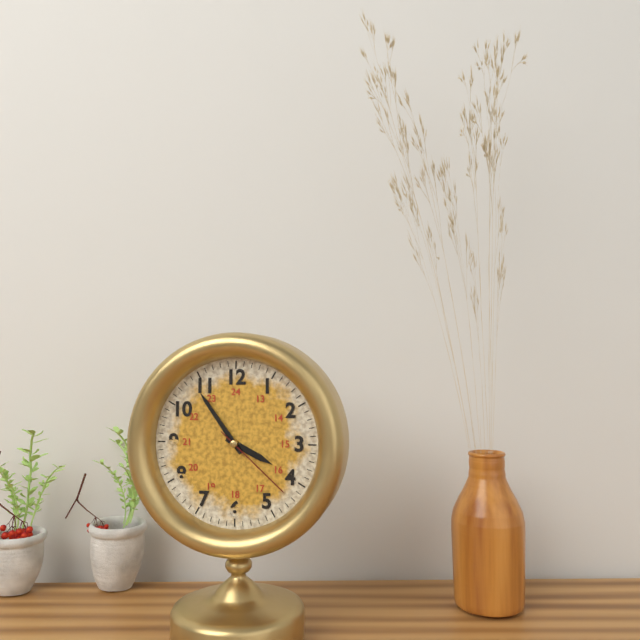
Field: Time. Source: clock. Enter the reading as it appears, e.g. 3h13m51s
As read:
3h54m22s
